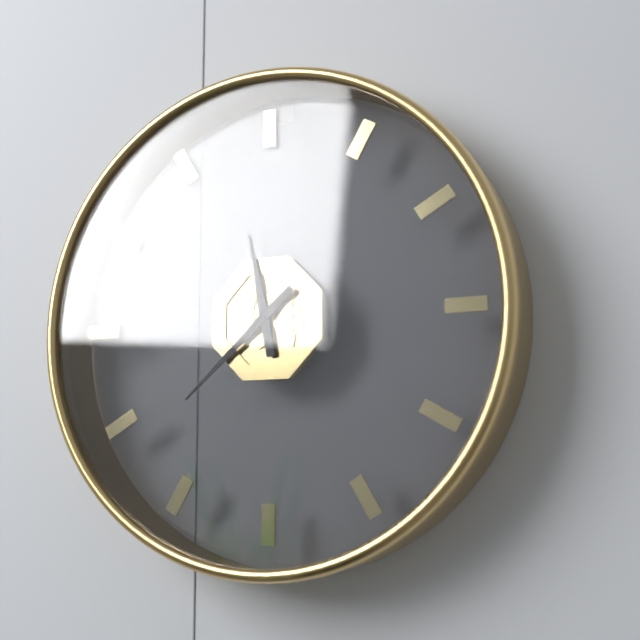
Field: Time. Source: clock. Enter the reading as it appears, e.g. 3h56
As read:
11h38
